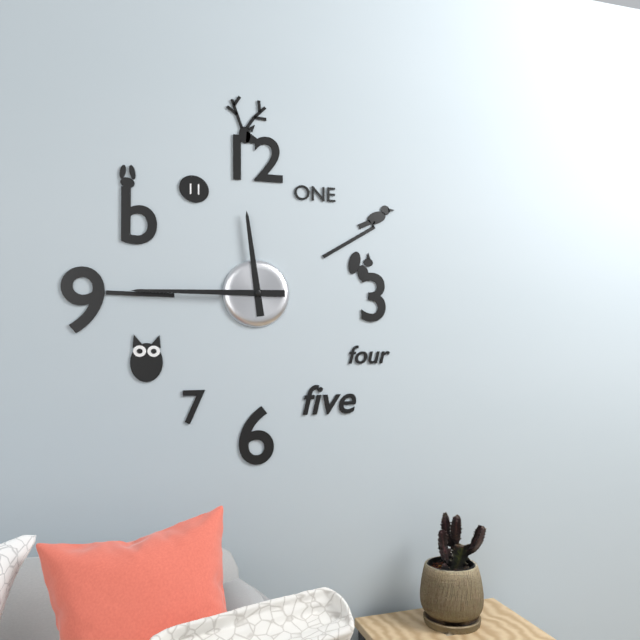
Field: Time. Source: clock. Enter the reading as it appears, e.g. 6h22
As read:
11h45
